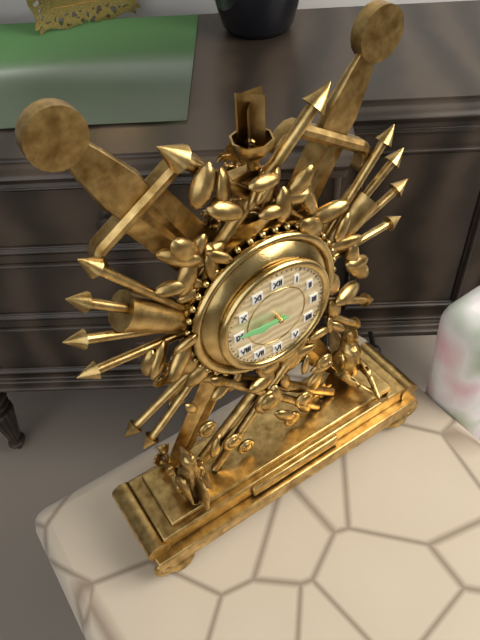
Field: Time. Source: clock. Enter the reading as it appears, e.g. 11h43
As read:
8h46
